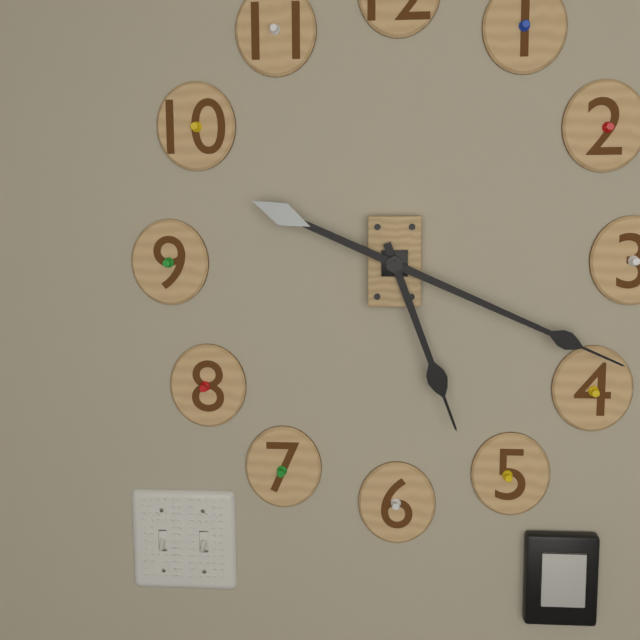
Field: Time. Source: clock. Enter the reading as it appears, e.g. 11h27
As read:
5h19
